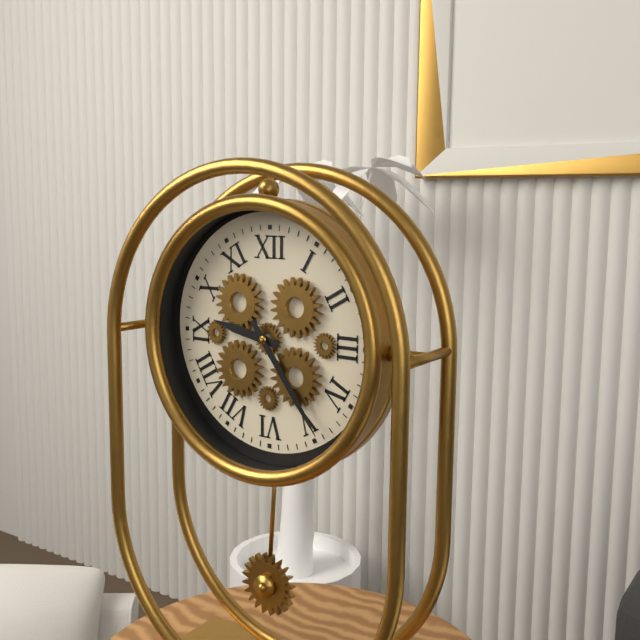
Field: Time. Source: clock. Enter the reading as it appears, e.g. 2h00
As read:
9h24
